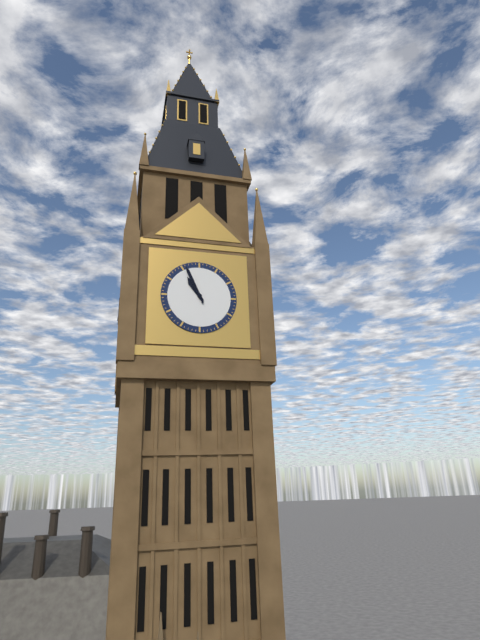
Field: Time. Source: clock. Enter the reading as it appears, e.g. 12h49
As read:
10h56
